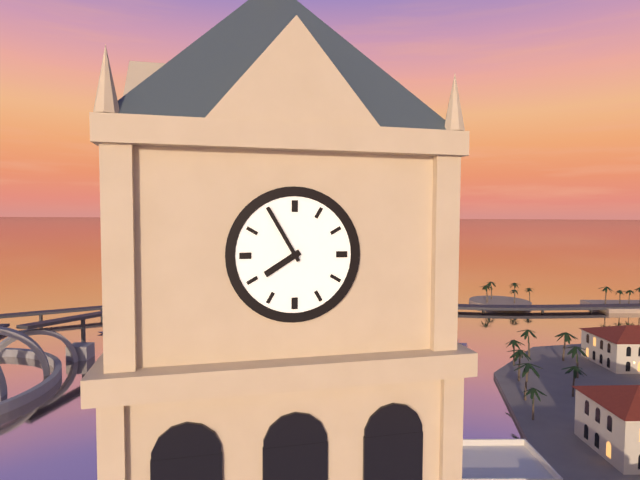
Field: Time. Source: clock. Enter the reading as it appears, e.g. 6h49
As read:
7h55
